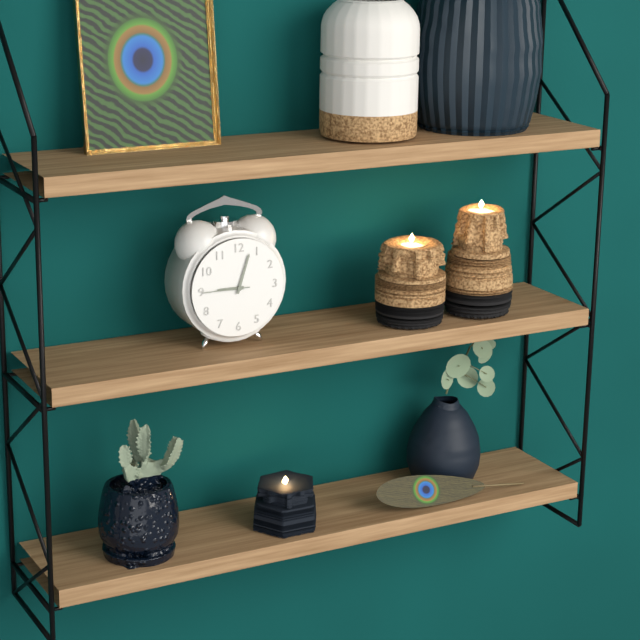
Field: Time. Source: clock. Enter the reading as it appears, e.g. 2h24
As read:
9h03
